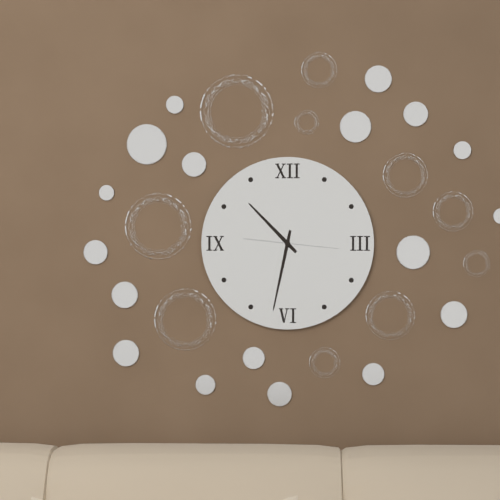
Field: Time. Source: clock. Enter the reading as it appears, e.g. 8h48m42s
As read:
10h32m16s
